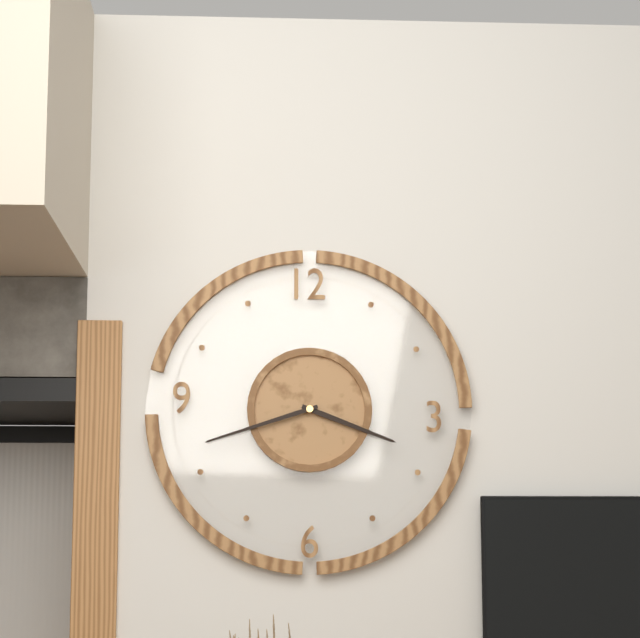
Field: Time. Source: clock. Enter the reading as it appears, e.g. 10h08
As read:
3h42
